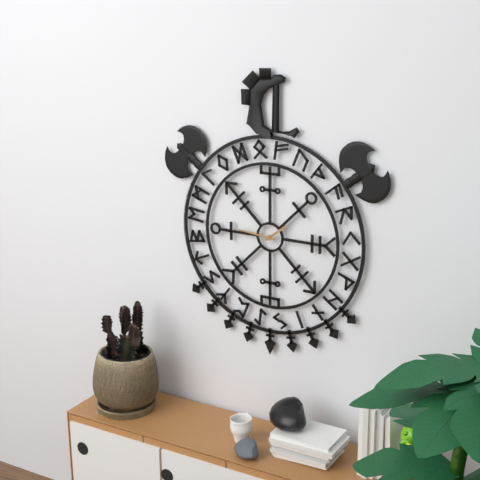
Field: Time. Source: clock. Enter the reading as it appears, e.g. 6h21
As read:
1h46
